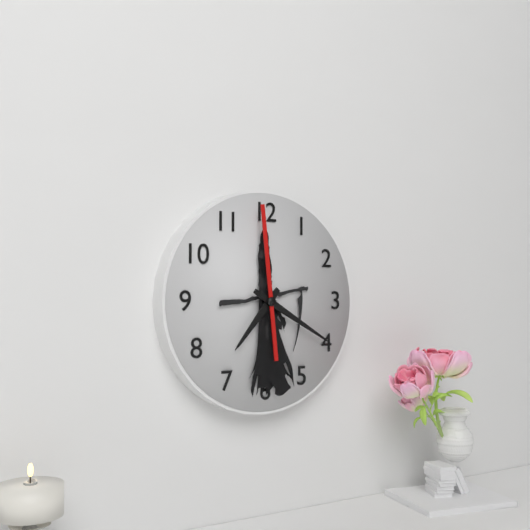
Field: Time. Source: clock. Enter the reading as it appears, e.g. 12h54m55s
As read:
7h20m59s
